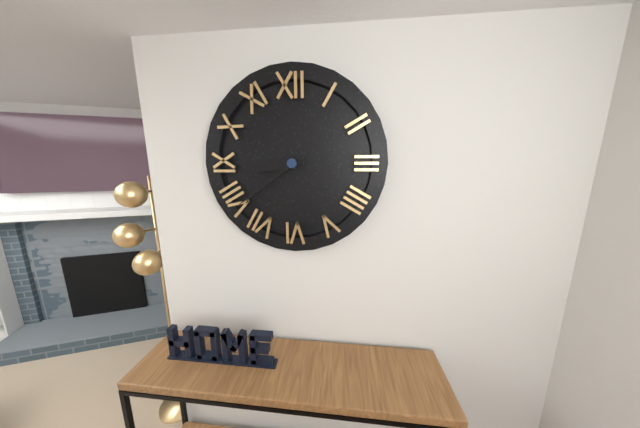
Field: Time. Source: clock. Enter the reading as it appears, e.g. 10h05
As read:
8h39
